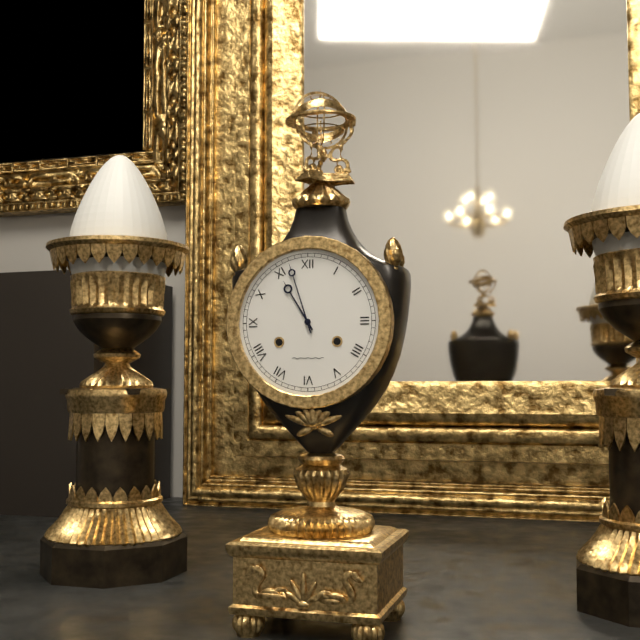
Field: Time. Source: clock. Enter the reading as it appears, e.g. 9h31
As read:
10h57
